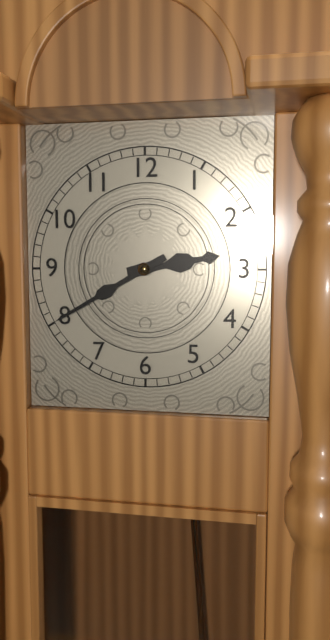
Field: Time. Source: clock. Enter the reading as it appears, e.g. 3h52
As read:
2h40
